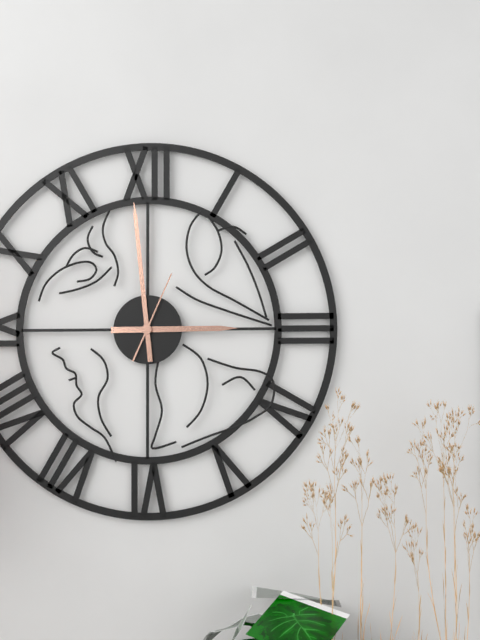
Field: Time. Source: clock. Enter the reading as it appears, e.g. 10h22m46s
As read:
2h59m04s
